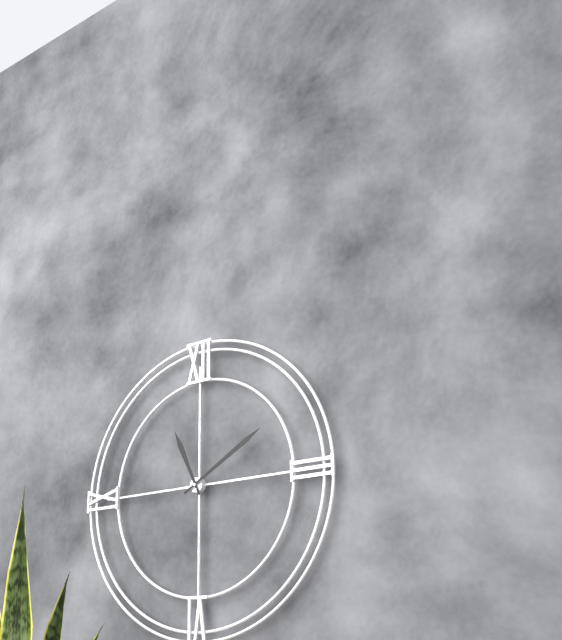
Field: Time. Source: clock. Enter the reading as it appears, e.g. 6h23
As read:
11h10
